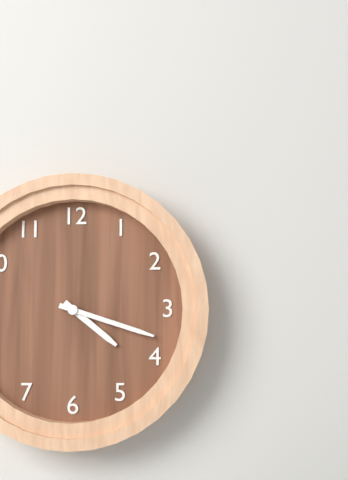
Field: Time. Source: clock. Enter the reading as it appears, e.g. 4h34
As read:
4h18
